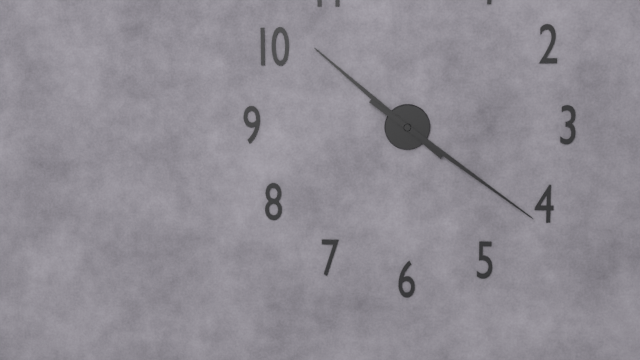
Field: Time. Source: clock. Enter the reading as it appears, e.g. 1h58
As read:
10h21
